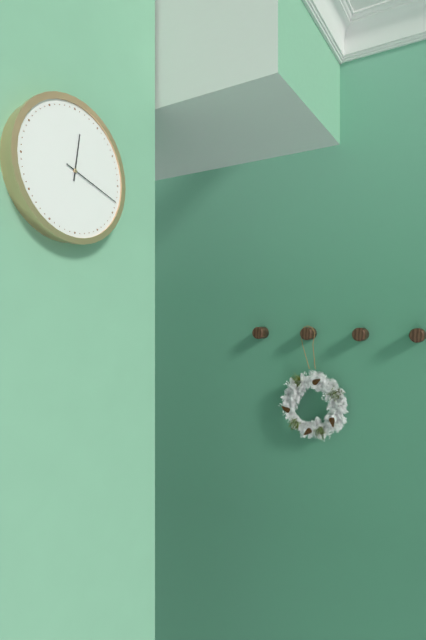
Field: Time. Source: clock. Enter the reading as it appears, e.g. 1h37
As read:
12h18
